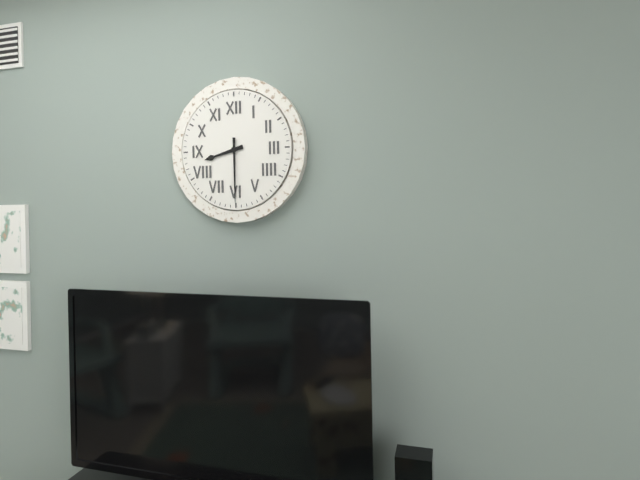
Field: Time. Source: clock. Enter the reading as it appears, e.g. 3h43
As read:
8h30
